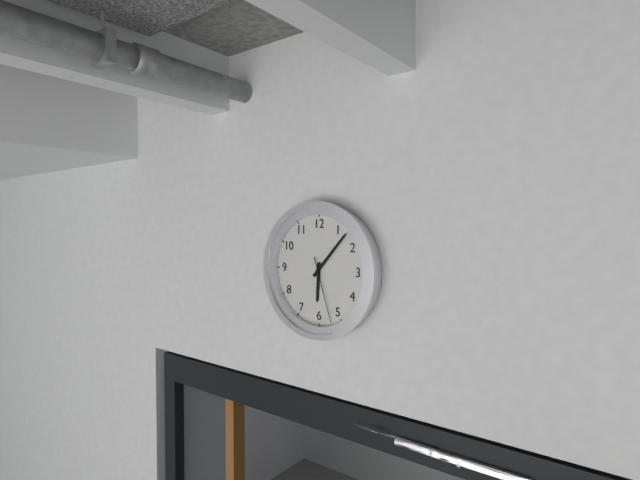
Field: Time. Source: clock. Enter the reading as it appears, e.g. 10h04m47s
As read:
6h07m27s
